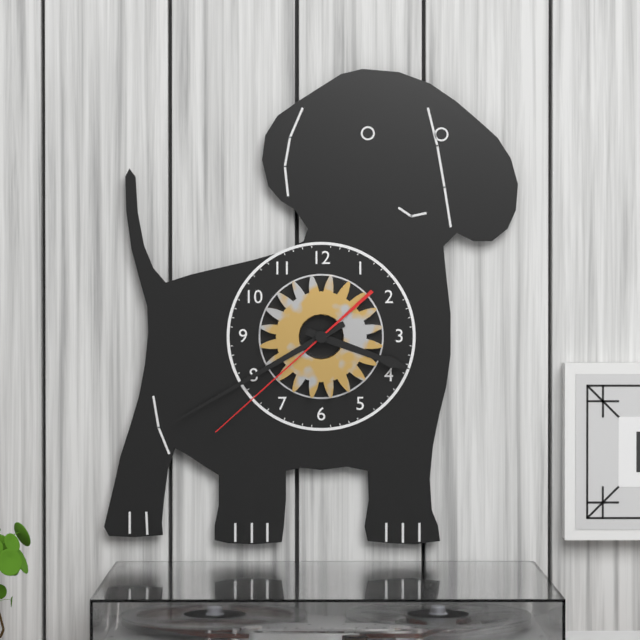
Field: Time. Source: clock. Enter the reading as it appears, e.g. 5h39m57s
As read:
3h40m38s
